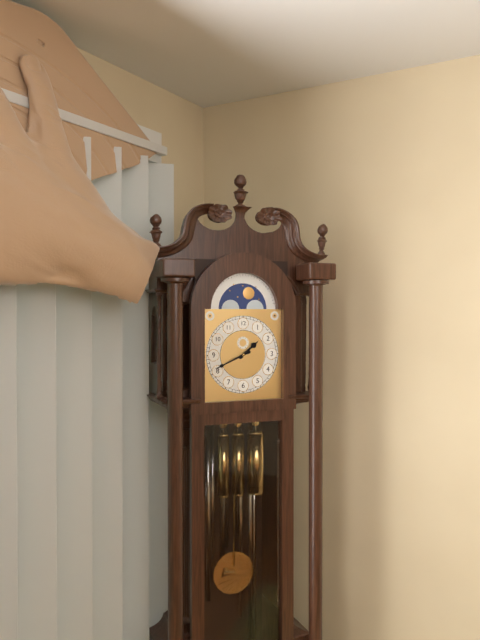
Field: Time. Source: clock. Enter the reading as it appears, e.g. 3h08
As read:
1h41
